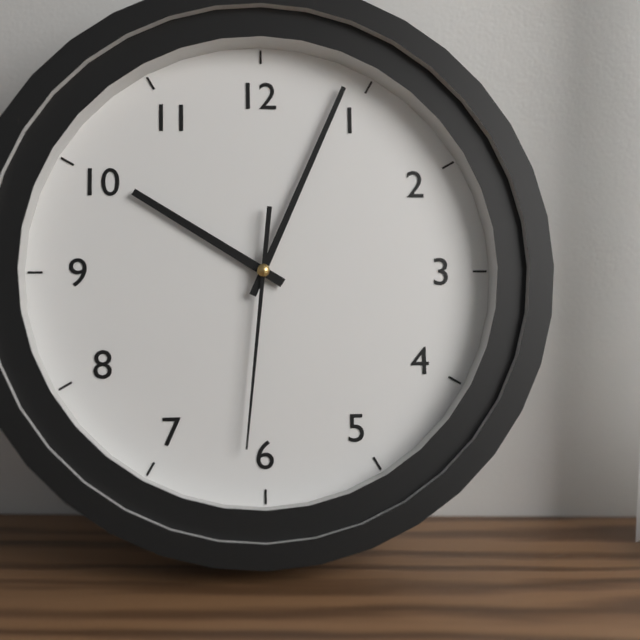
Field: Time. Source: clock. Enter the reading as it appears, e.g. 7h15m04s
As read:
10h04m31s
